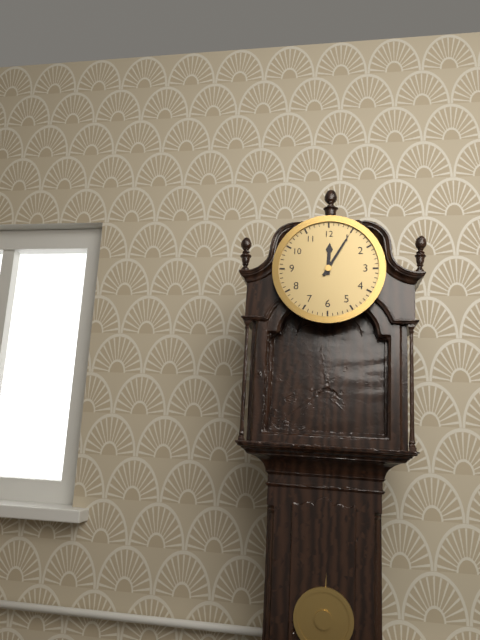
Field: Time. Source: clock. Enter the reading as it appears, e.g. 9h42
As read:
12h05
